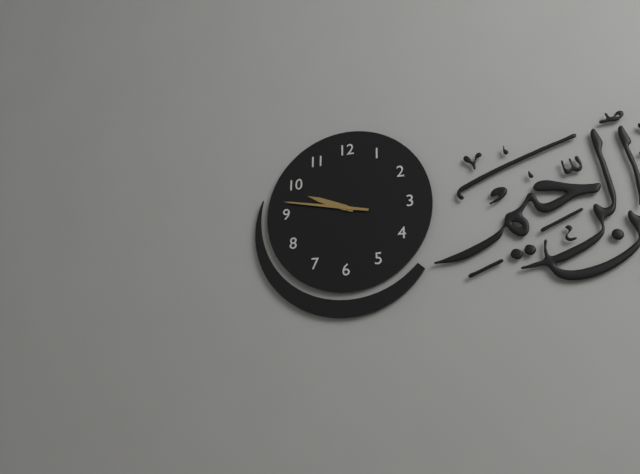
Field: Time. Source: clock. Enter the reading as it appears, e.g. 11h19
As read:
9h47
